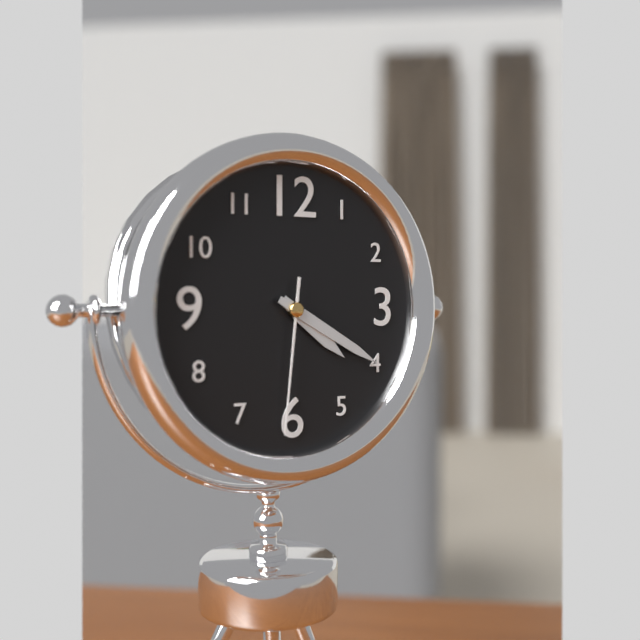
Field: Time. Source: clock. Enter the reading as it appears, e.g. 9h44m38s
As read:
4h20m31s
